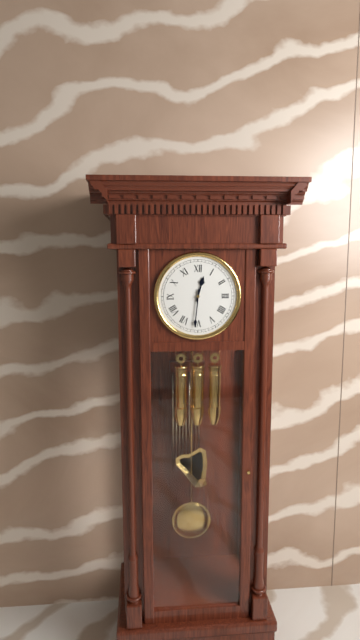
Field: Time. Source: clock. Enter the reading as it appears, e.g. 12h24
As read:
12h31
